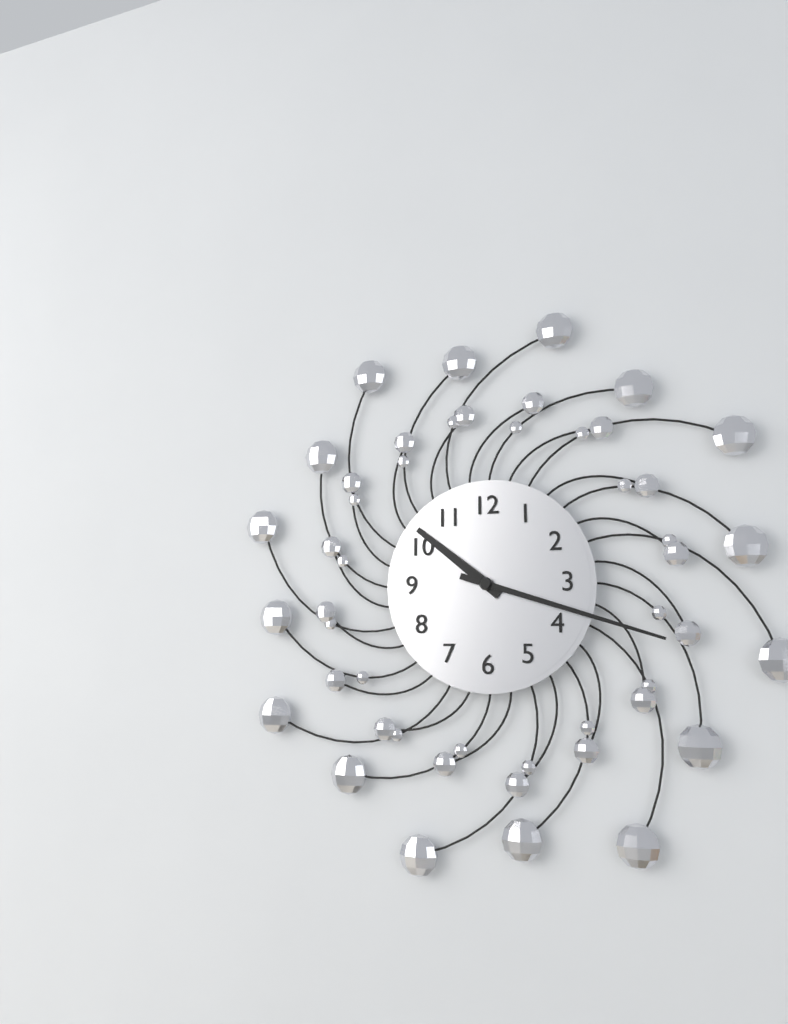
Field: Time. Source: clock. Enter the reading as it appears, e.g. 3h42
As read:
10h18
